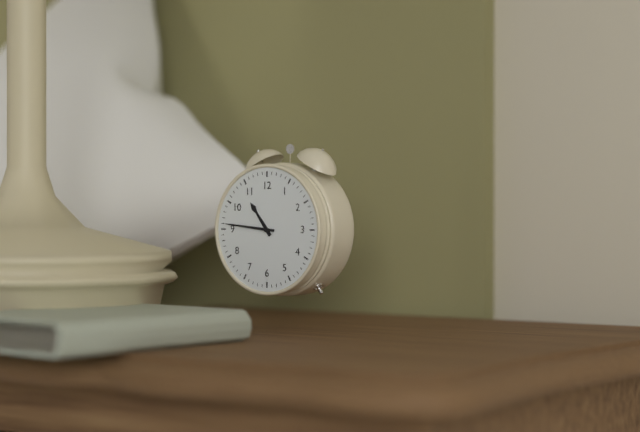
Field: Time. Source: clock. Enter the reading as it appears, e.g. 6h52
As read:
10h46
